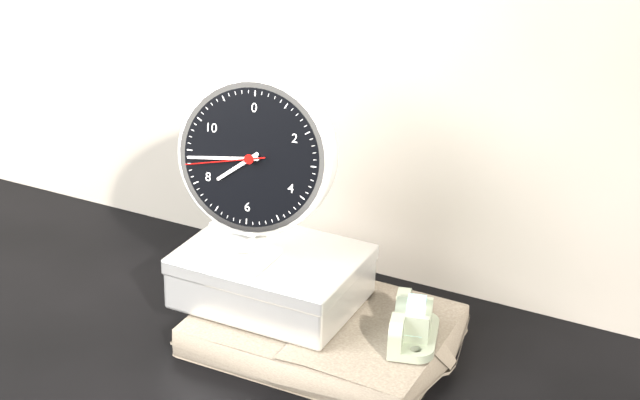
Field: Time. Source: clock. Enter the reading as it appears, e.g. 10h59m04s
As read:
7h44m43s
